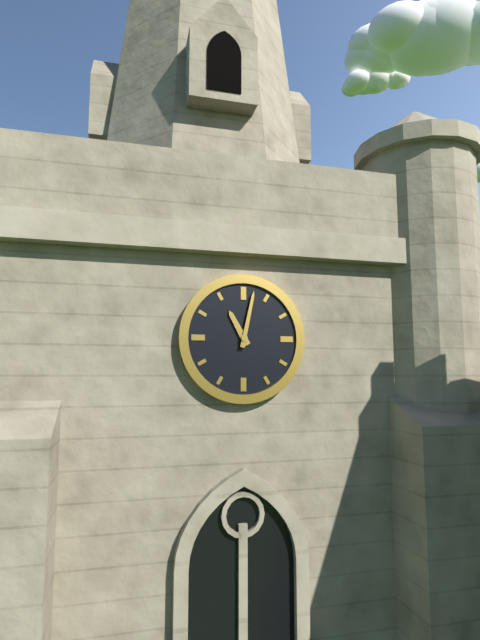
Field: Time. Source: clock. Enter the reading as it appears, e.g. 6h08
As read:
11h02
